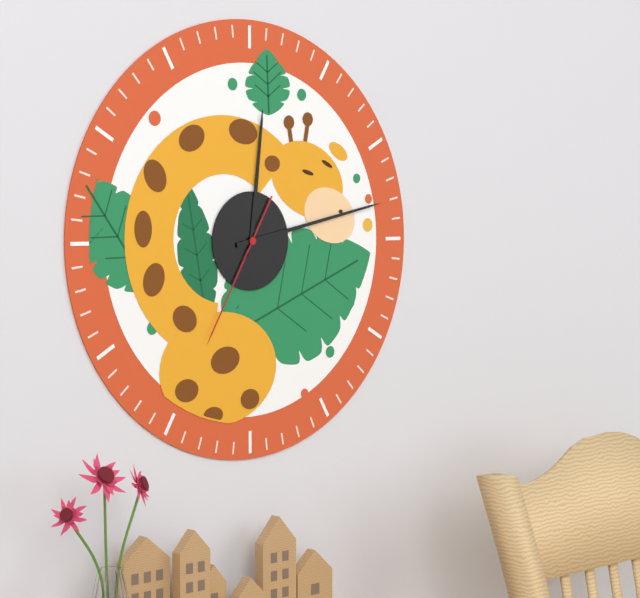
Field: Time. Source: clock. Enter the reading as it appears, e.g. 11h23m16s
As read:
12h13m35s
